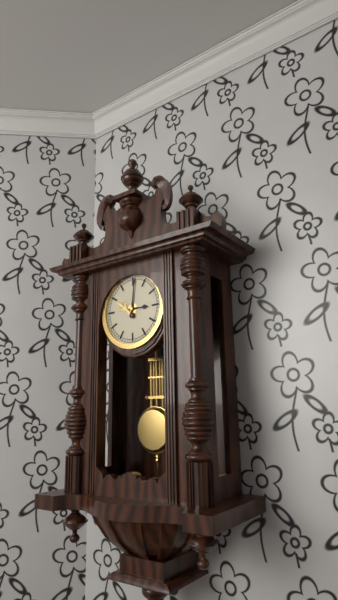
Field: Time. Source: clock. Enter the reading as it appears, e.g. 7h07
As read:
3h01
